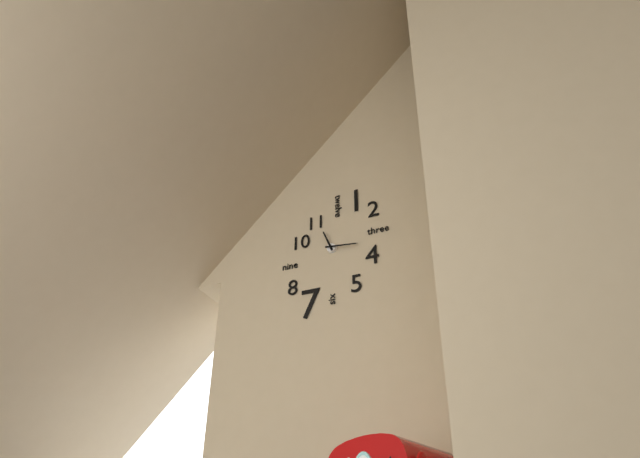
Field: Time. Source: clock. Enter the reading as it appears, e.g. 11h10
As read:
11h16
